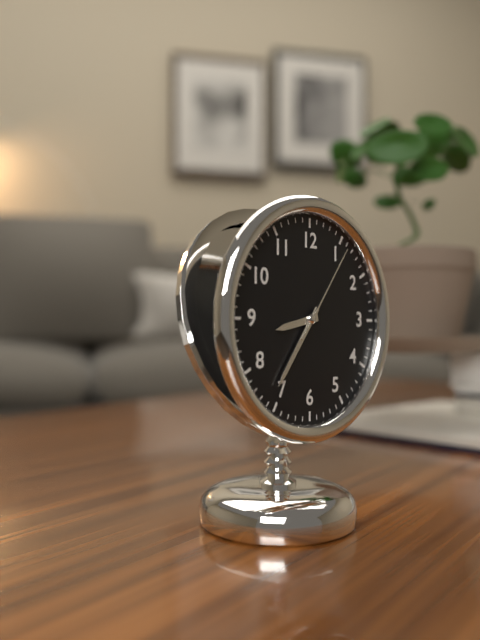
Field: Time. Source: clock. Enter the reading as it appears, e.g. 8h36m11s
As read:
8h36m06s
